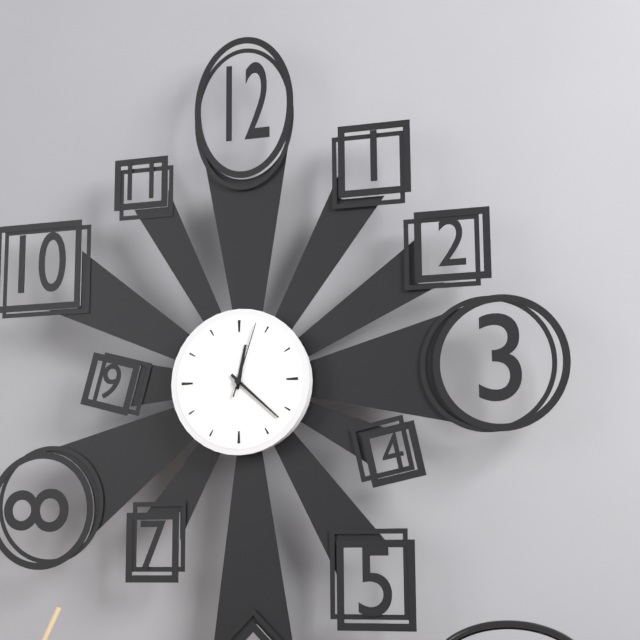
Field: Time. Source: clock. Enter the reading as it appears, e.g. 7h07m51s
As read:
12h22m03s
